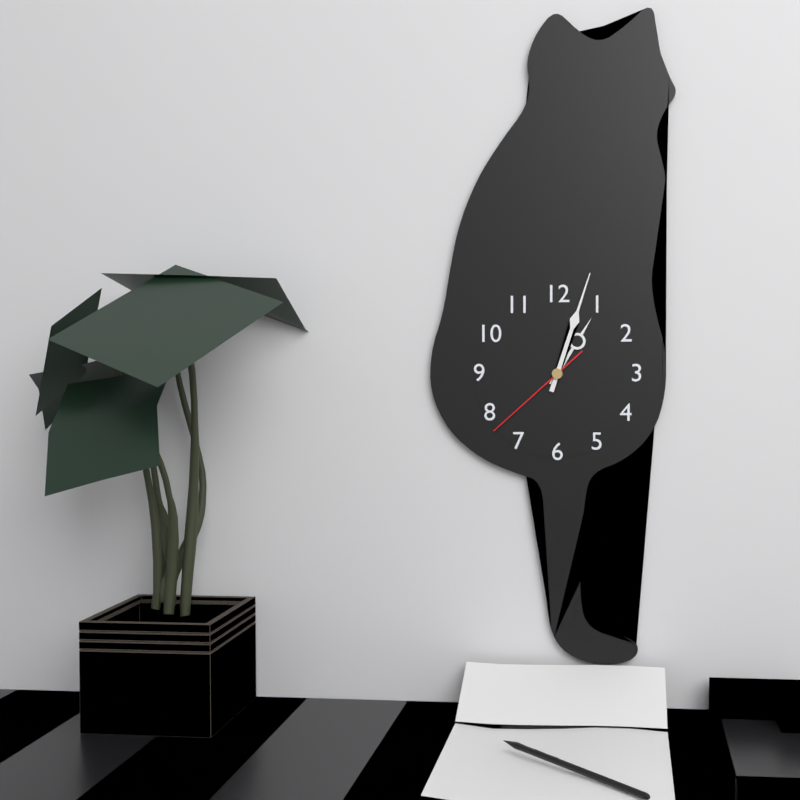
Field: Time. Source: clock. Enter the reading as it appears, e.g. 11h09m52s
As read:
1h03m38s
